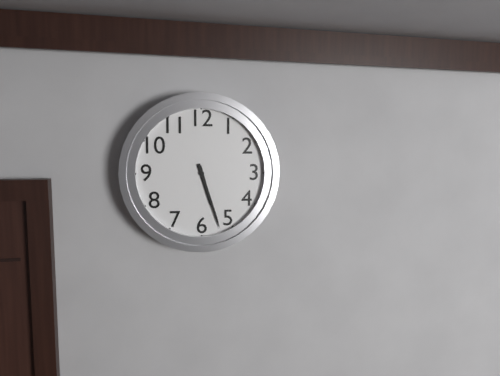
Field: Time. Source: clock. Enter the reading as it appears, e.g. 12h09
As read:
5h27
